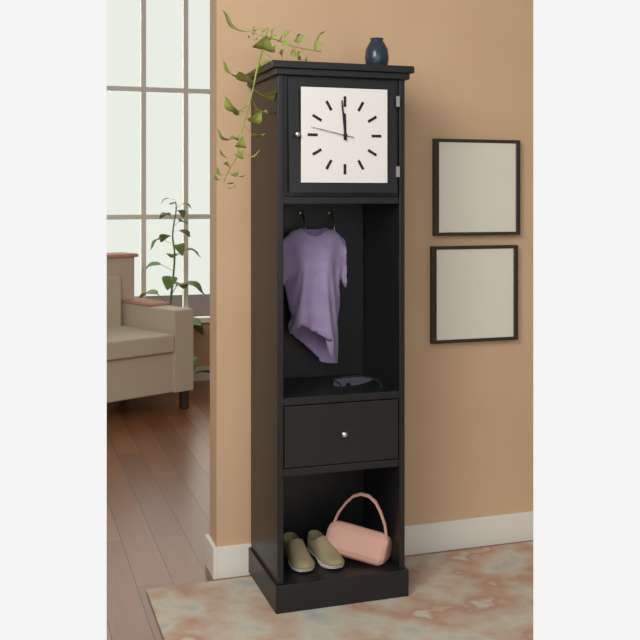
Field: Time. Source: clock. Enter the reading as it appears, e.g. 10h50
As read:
11h59
